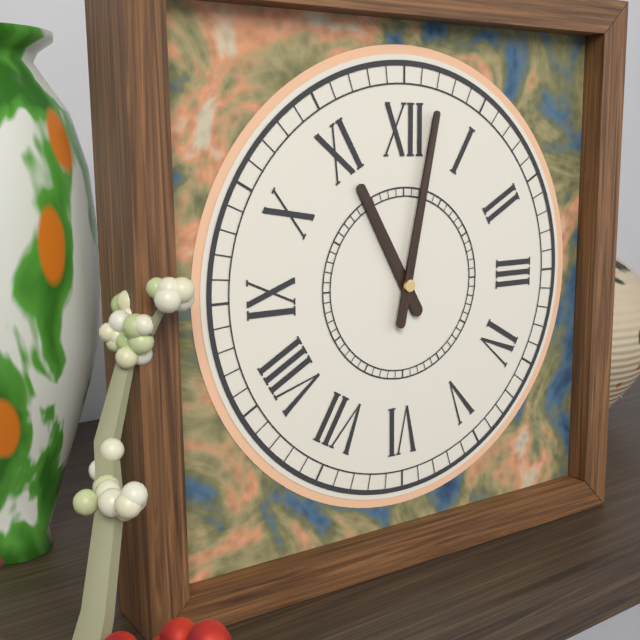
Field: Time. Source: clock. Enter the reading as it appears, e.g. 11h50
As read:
11h02
